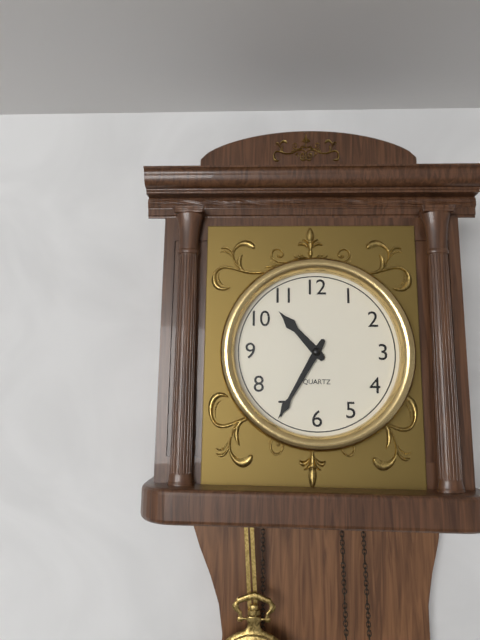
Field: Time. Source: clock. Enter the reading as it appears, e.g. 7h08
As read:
10h35
